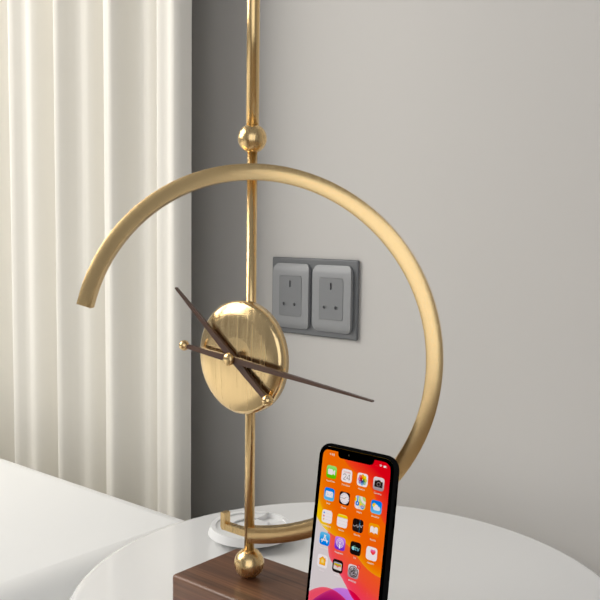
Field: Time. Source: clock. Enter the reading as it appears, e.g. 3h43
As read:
10h16
